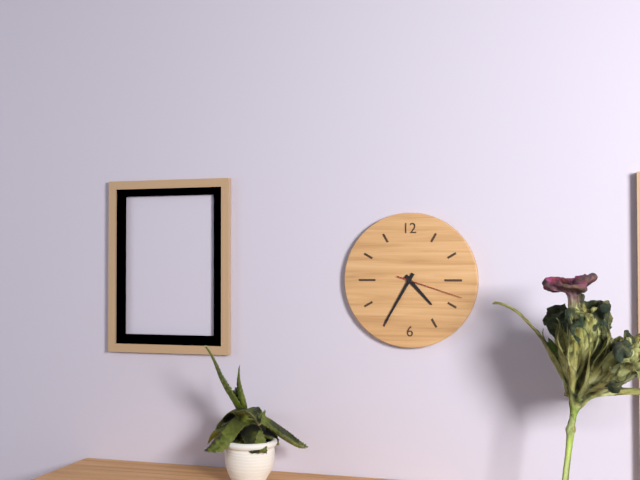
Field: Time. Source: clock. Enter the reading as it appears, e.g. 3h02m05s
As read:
4h35m18s
